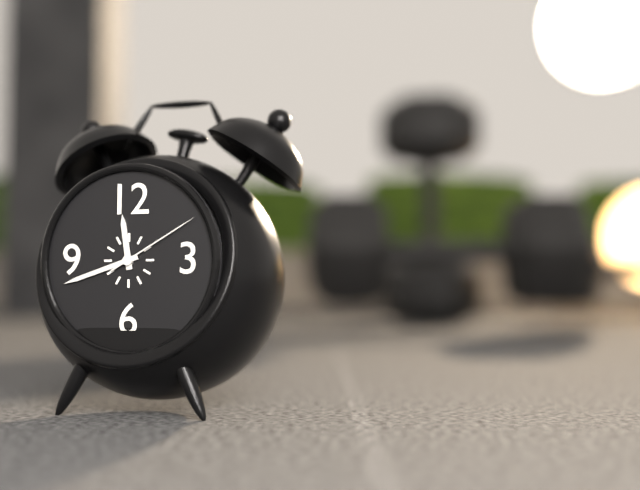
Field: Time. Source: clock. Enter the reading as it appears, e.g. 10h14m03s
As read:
11h42m10s
